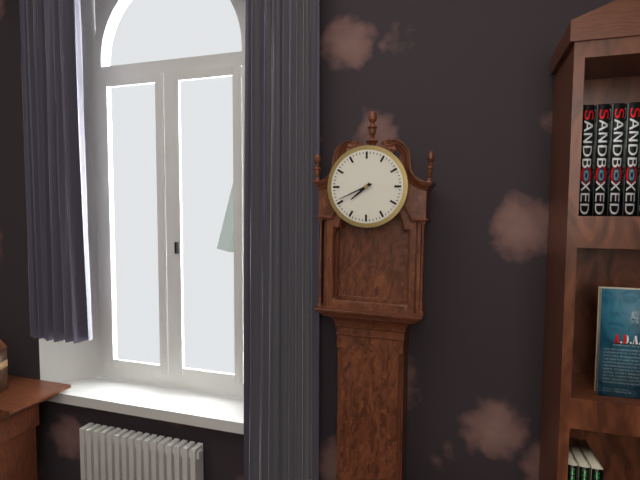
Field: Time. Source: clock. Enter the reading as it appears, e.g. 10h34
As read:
7h41
